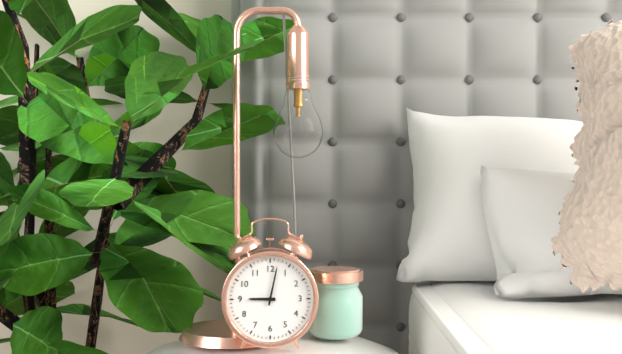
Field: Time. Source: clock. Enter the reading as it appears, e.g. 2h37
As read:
9h02
